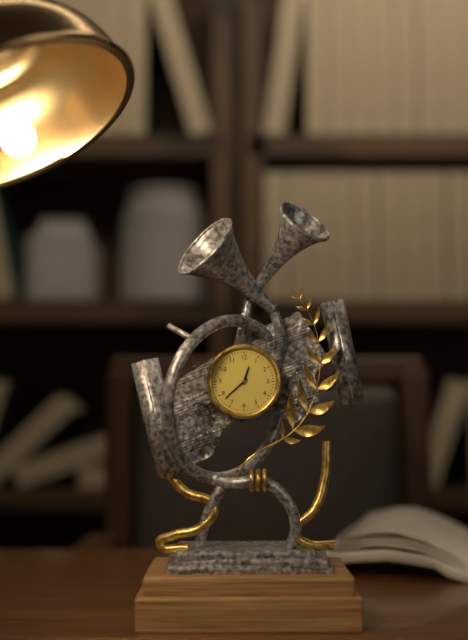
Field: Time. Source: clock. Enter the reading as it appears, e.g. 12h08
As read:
12h38
